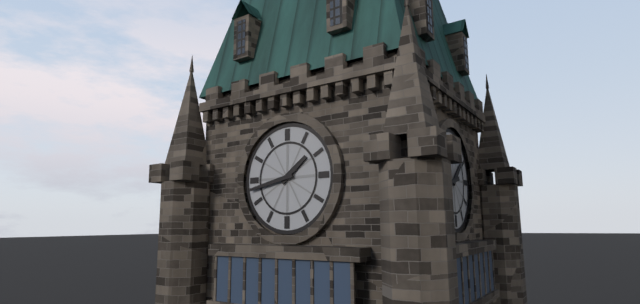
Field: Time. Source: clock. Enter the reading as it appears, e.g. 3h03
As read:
1h43
